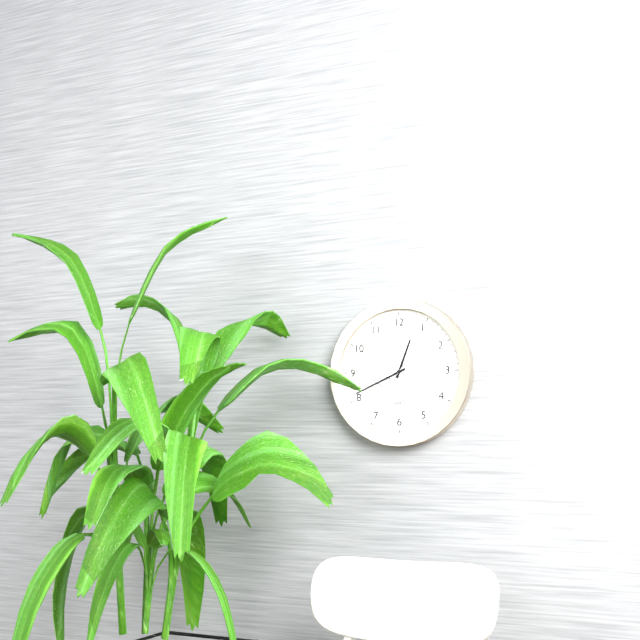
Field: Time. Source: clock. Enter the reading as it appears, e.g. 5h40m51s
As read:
12h41m36s
